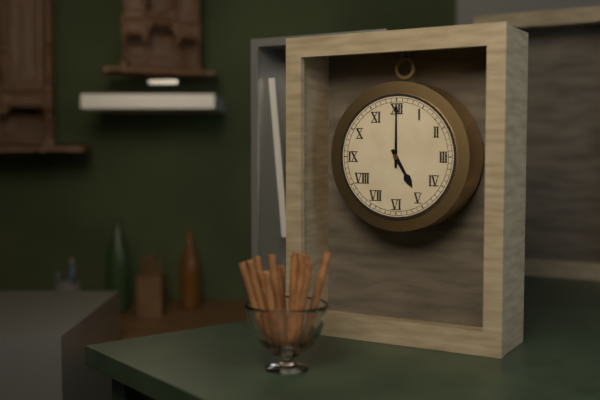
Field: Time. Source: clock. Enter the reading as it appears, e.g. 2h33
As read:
5h00
